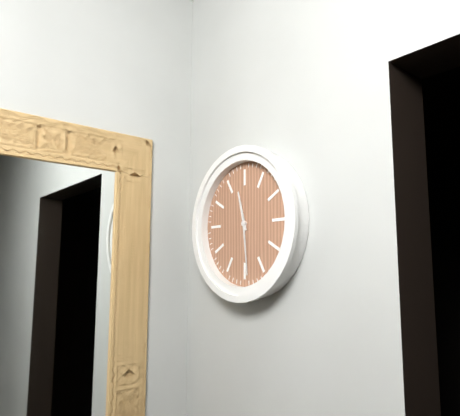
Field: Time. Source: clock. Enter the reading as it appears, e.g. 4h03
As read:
11h29
